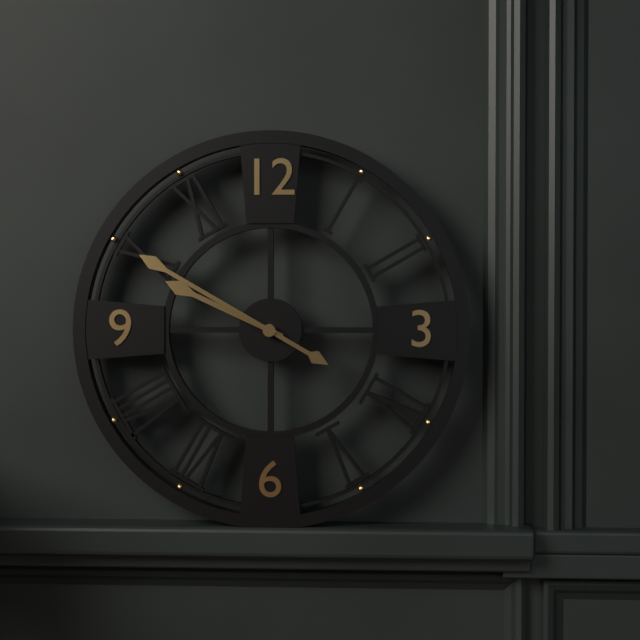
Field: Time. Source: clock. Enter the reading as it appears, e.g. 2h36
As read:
9h50
